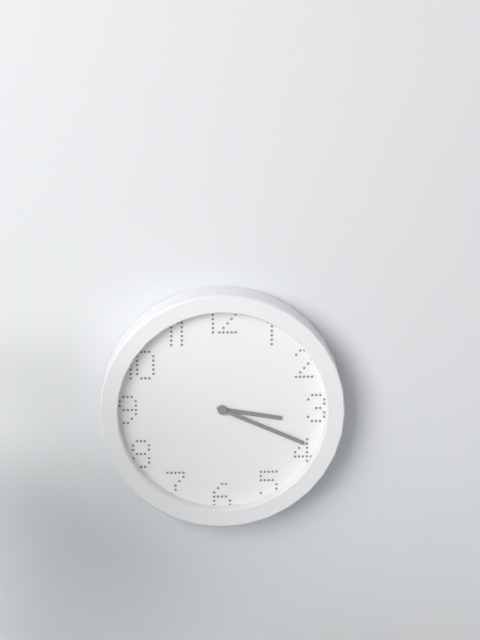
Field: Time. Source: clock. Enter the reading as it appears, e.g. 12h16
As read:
3h19
